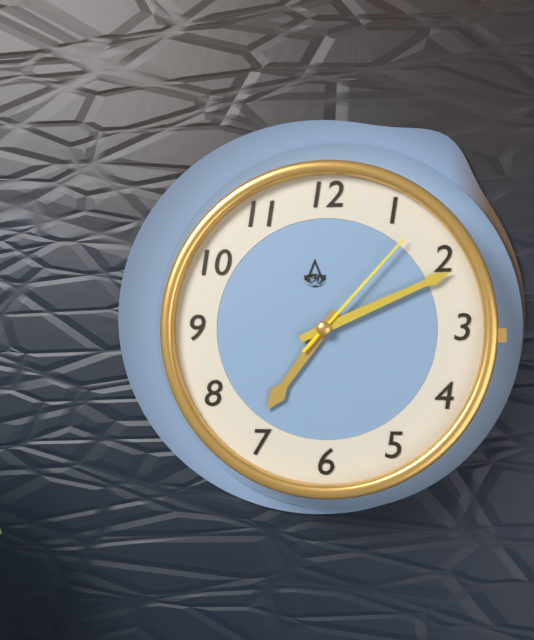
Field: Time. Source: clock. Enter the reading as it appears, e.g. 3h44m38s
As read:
7h11m07s
